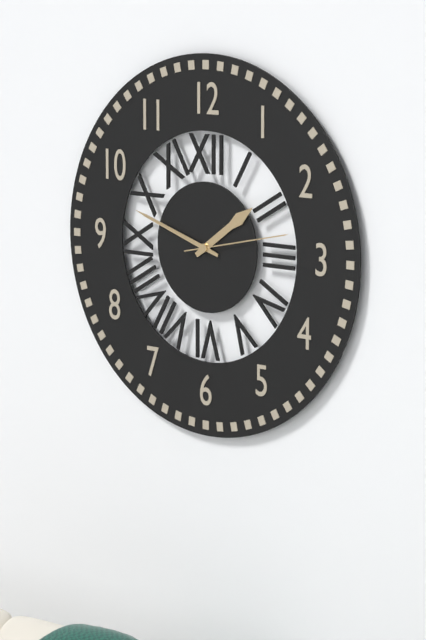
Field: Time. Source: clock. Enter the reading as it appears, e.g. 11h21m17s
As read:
1h48m13s
